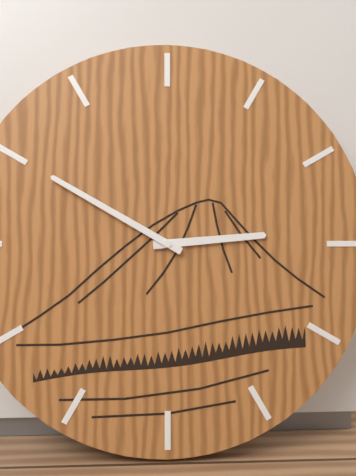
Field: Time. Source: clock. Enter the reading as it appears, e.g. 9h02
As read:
2h50
